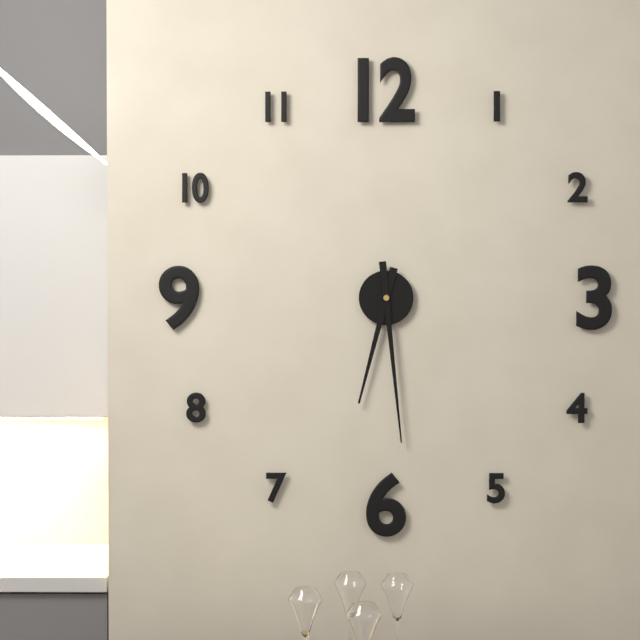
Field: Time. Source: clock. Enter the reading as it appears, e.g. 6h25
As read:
6h29
